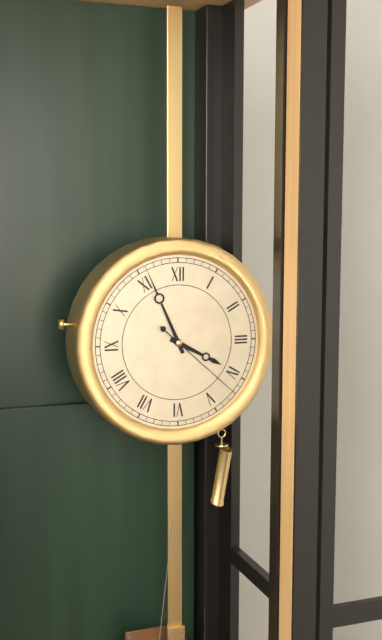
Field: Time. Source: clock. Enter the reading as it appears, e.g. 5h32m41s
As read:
3h56m22s
